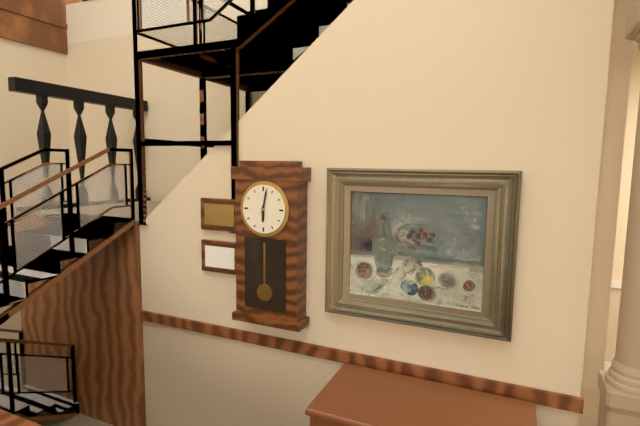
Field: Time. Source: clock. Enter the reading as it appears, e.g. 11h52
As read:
6h02
